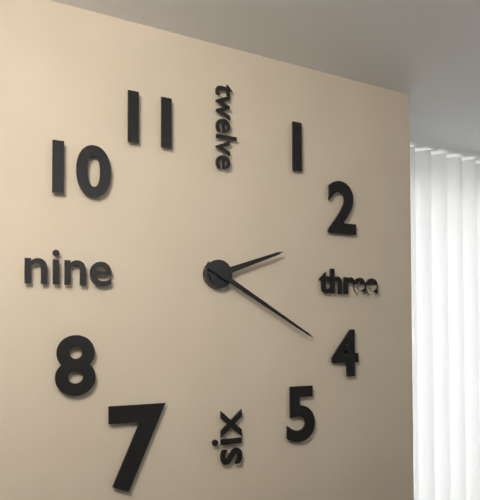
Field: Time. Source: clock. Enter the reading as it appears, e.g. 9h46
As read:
2h20
